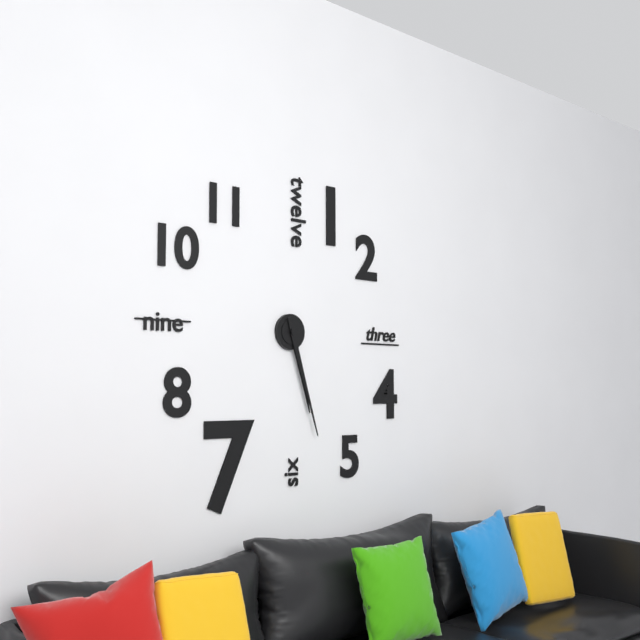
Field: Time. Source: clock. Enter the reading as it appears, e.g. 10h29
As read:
5h27
